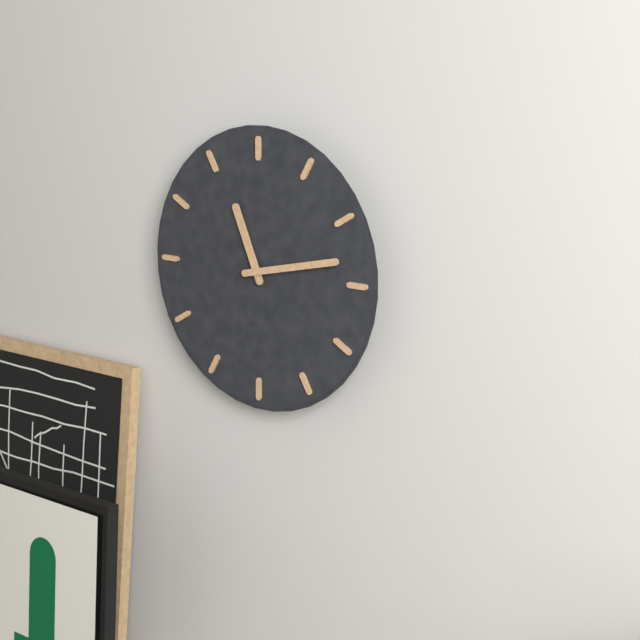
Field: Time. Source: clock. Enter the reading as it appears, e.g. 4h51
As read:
11h13
